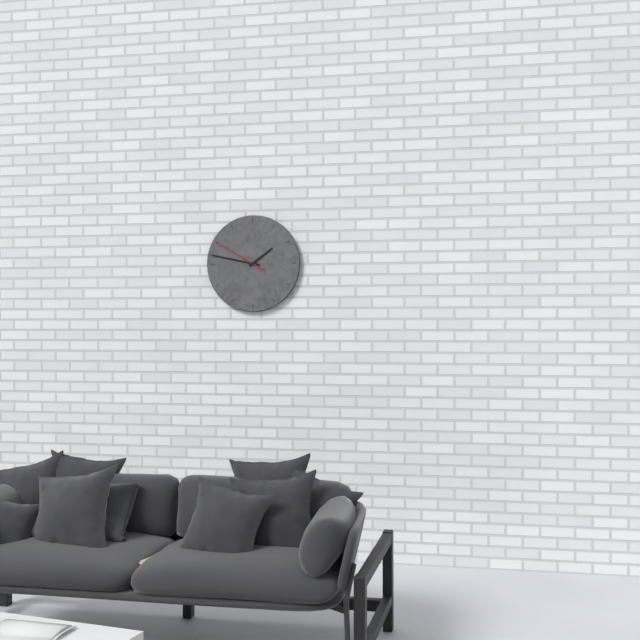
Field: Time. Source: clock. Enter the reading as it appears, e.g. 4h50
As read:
1h47
